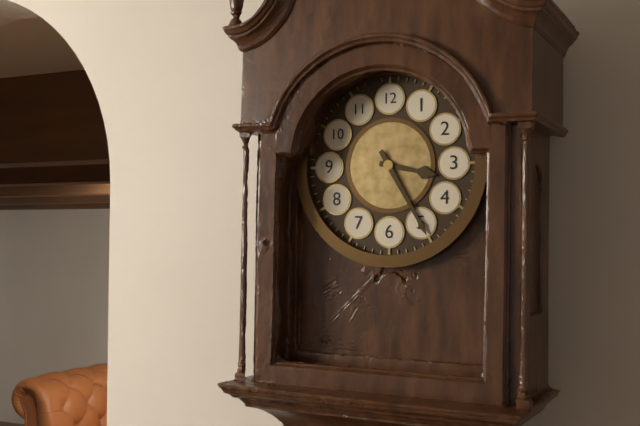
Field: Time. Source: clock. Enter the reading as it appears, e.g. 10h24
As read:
3h25
